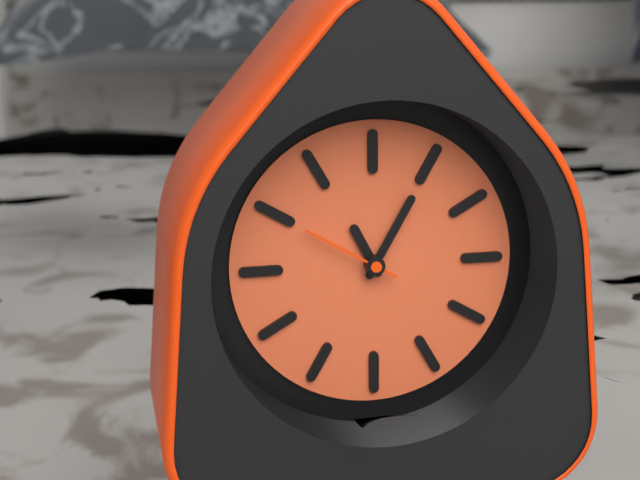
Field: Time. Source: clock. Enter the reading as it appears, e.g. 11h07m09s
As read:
11h05m50s
